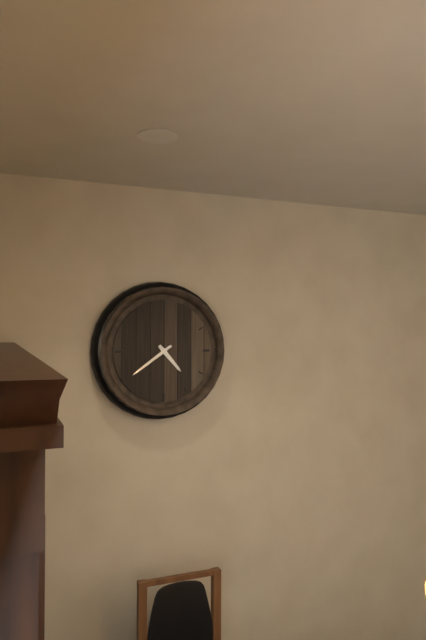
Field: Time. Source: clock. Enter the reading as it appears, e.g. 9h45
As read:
4h39
